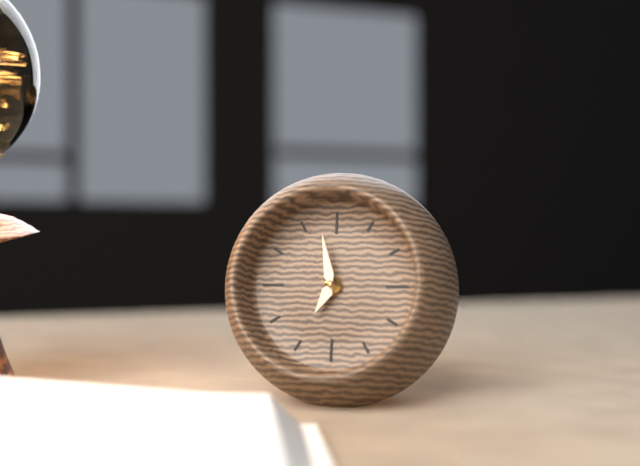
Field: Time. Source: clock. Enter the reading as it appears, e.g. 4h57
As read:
6h58
